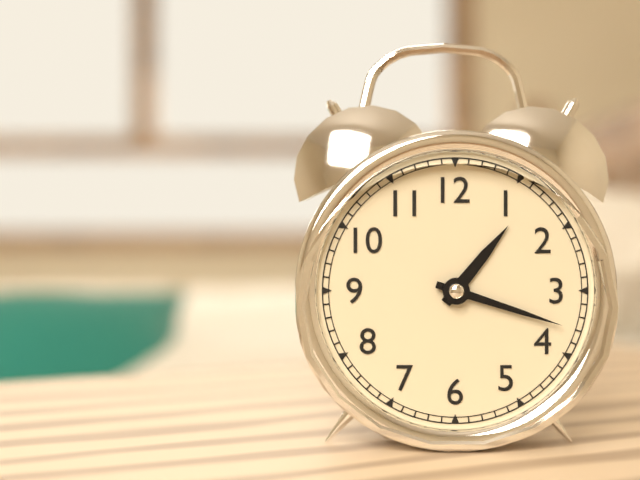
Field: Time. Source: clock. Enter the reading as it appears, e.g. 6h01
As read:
1h18
